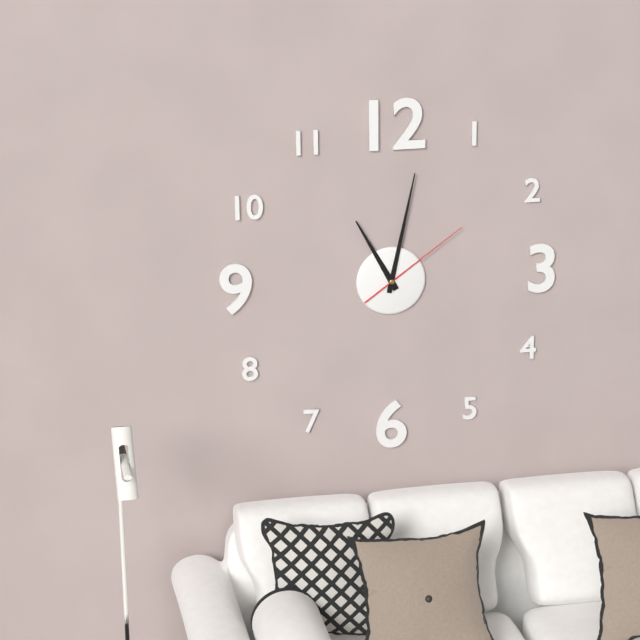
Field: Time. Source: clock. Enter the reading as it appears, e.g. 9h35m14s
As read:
11h02m09s
